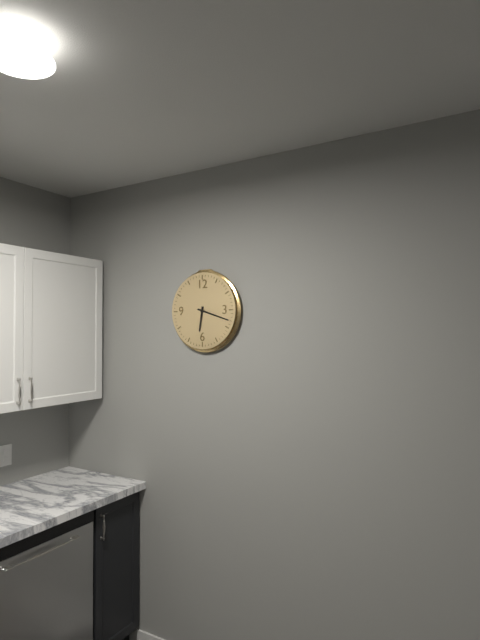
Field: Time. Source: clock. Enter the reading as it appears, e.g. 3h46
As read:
6h18
